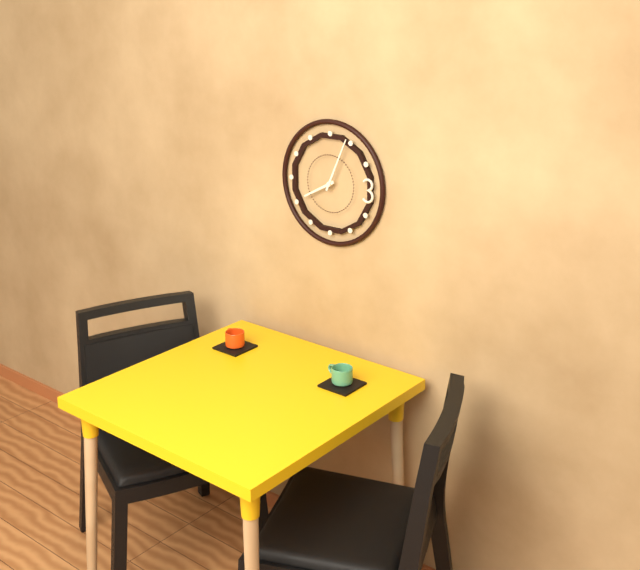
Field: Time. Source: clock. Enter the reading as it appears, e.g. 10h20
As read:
8h04
